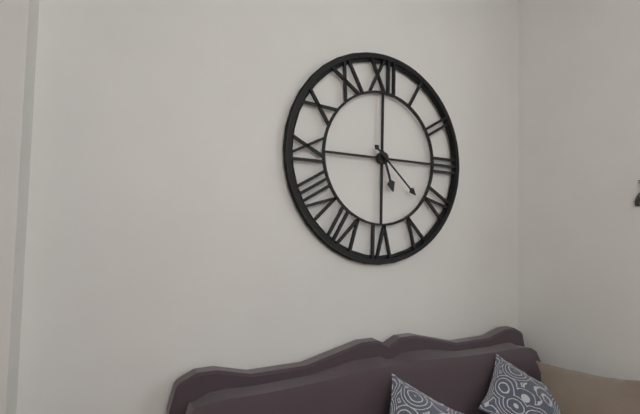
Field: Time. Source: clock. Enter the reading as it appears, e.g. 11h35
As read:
5h22
